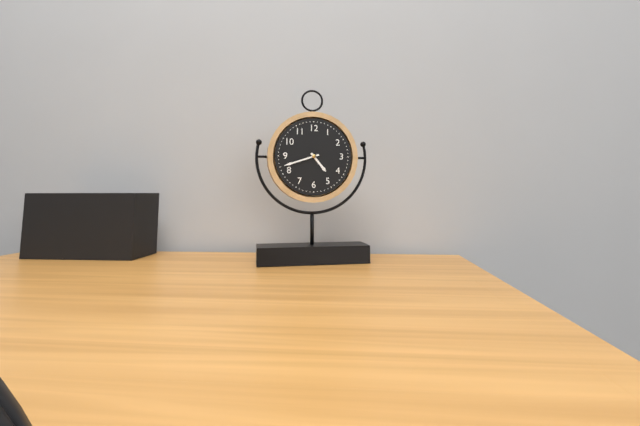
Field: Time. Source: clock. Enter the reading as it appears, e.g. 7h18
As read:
4h42
